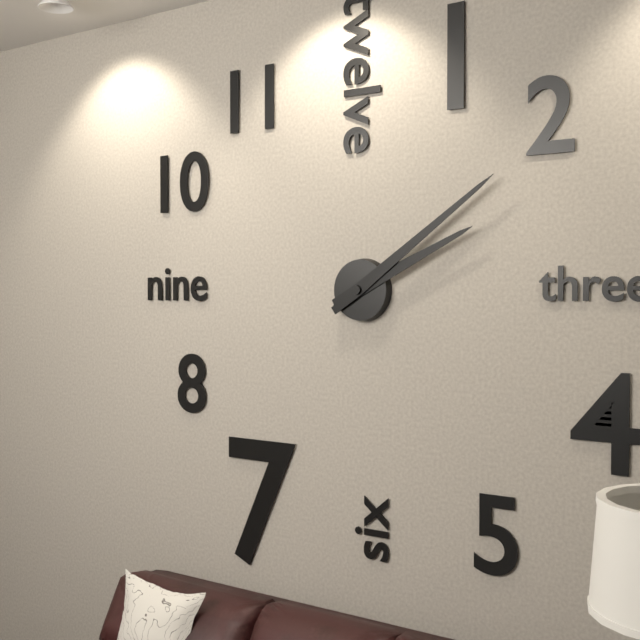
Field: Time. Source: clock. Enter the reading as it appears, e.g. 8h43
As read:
2h09
